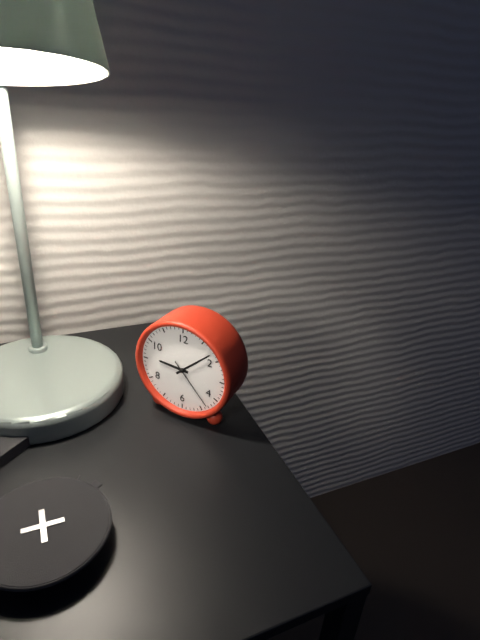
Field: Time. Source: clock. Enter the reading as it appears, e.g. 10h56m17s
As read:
9h08m23s
